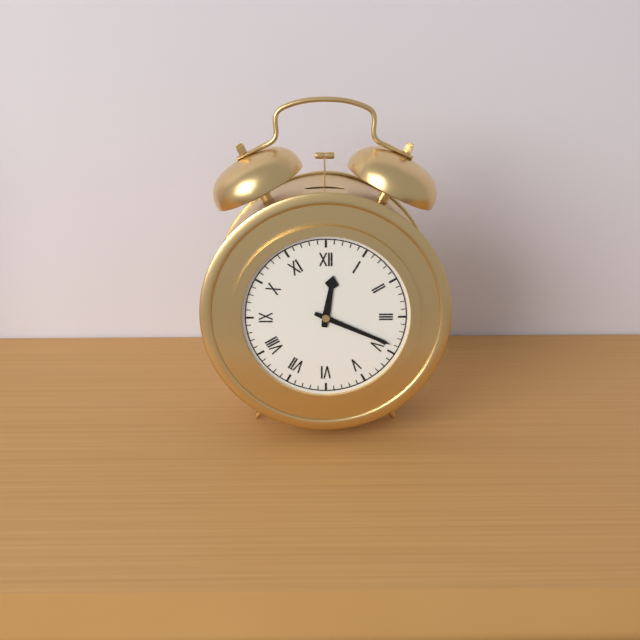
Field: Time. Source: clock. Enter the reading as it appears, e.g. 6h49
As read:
12h19
